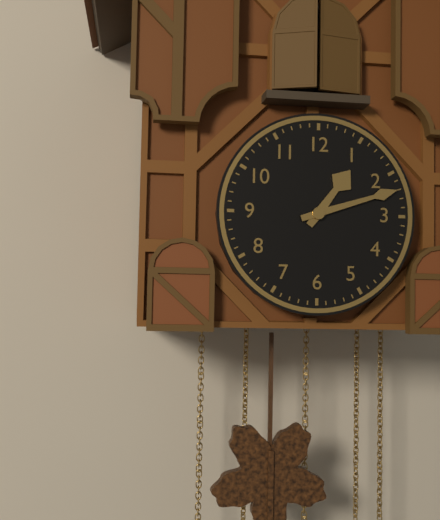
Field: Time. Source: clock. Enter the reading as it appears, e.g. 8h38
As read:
1h12
